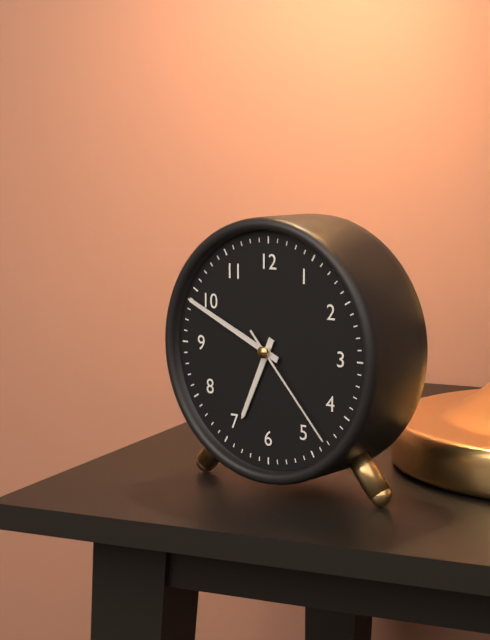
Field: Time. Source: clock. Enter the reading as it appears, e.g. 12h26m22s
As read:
6h49m23s
